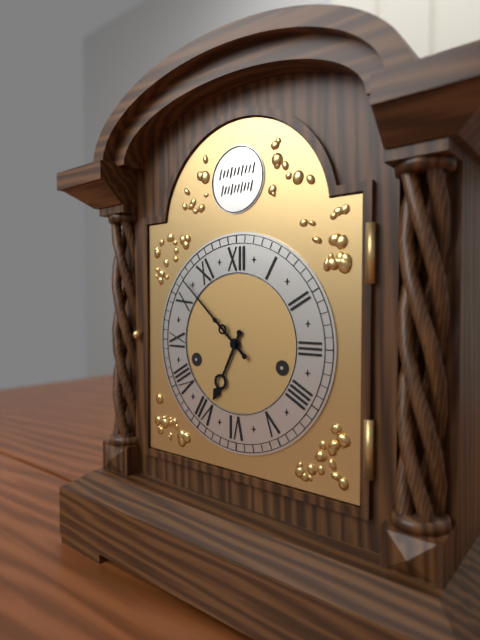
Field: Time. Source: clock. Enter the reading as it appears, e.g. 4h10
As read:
6h52
